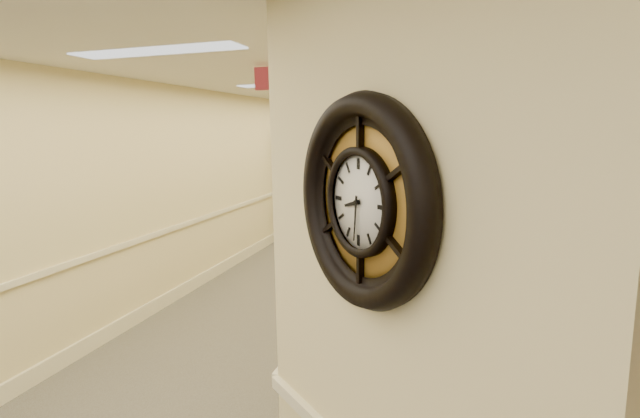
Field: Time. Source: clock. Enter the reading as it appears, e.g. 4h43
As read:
8h31
